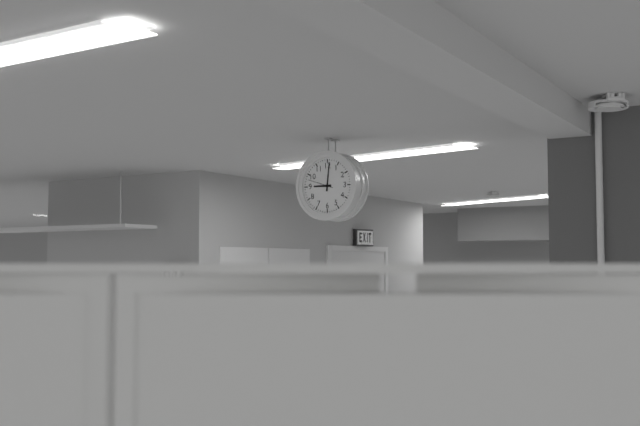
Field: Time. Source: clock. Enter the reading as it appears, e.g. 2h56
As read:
9h01
